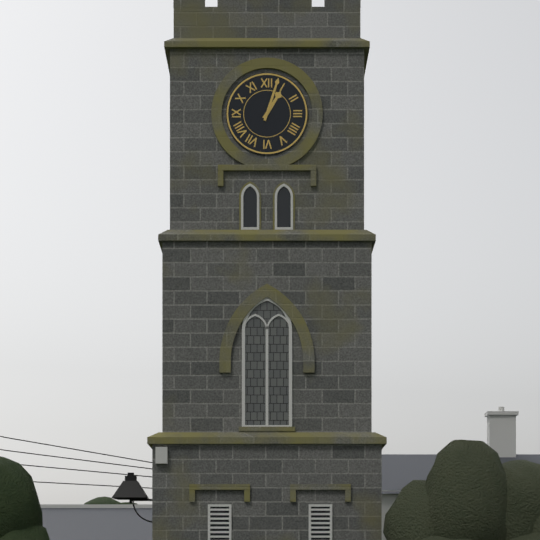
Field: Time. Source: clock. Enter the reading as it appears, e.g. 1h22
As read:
1h03
